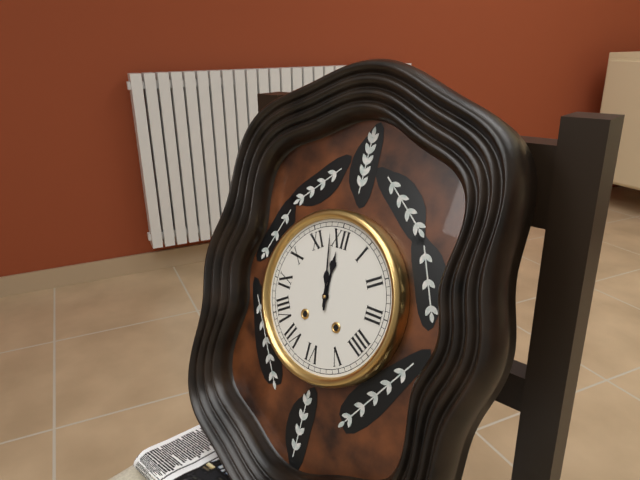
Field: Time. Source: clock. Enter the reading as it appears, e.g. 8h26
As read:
11h58
